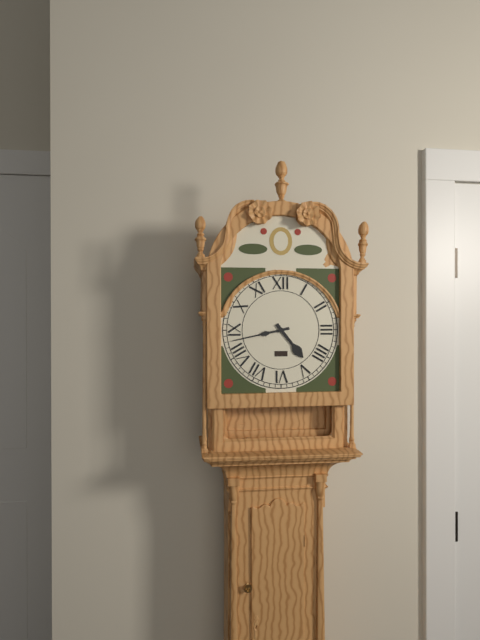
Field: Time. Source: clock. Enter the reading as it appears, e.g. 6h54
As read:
4h43
